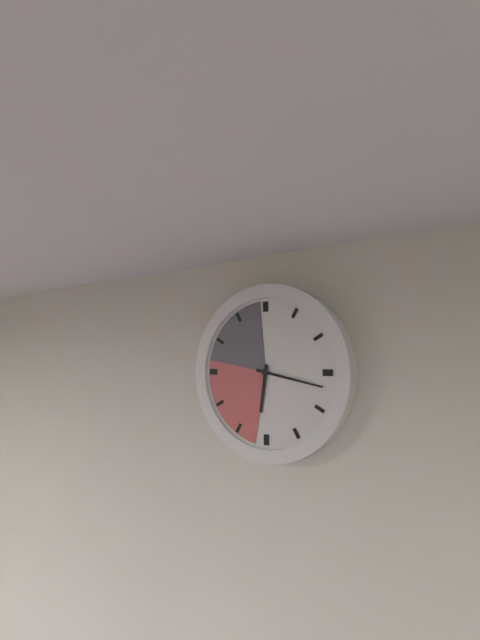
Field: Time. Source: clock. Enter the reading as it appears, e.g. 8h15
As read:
6h17
